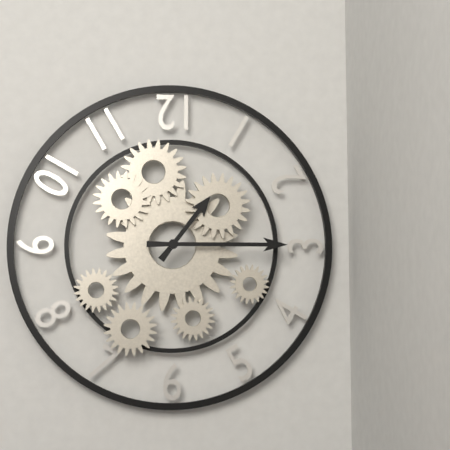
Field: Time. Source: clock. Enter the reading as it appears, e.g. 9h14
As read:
1h15
